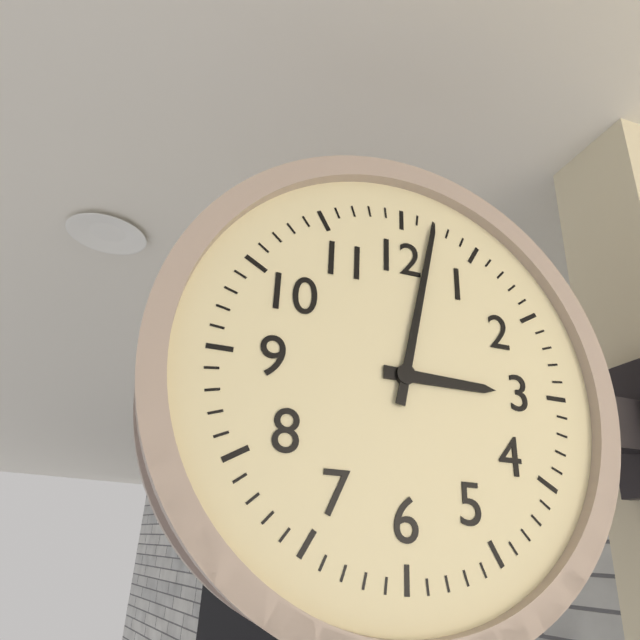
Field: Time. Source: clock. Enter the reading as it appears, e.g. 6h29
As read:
3h02
